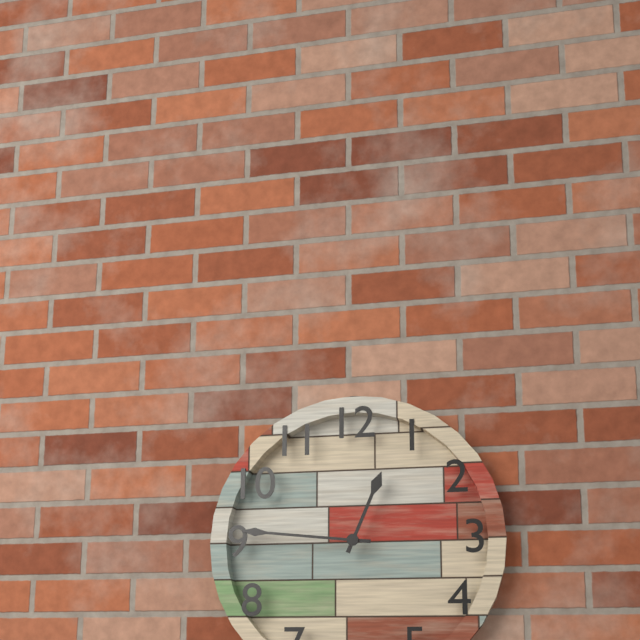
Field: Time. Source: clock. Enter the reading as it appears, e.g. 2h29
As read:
12h46
